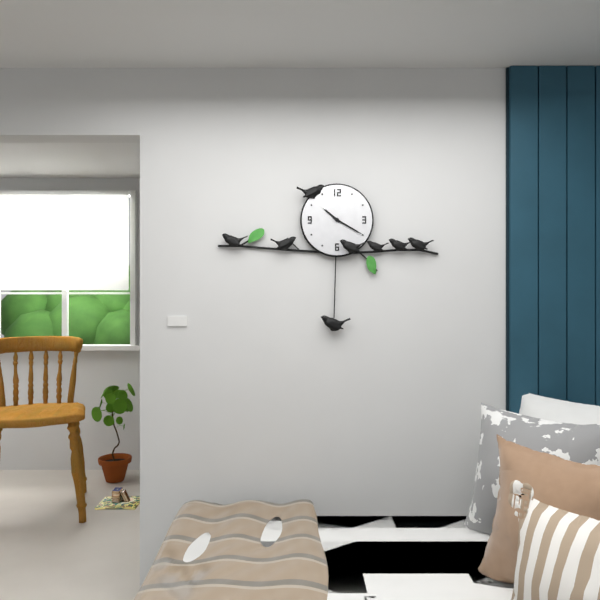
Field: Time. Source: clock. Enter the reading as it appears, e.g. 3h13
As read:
10h20
